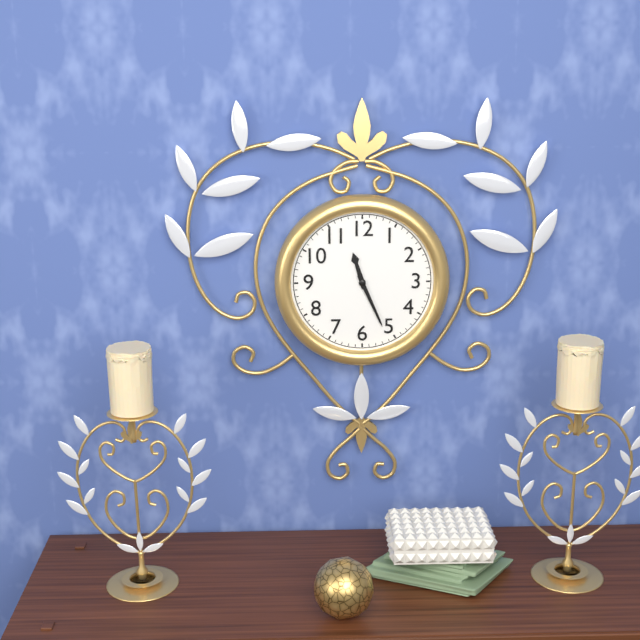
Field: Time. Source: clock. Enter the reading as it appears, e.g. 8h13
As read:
11h26
